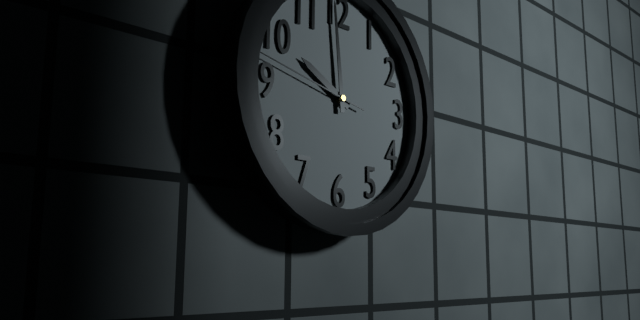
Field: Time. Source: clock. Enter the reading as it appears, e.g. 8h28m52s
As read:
9h59m47s
